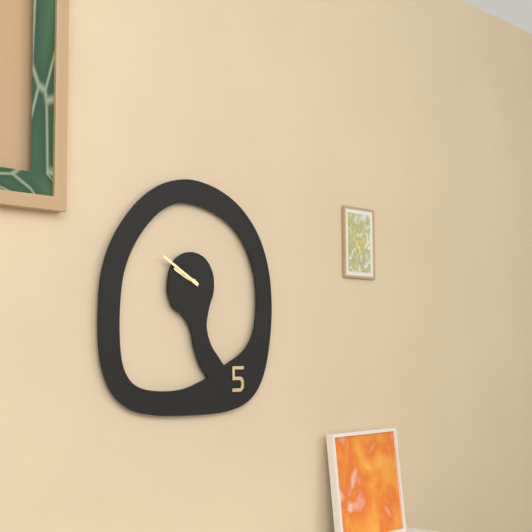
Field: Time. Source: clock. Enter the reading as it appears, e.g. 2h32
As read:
9h50
